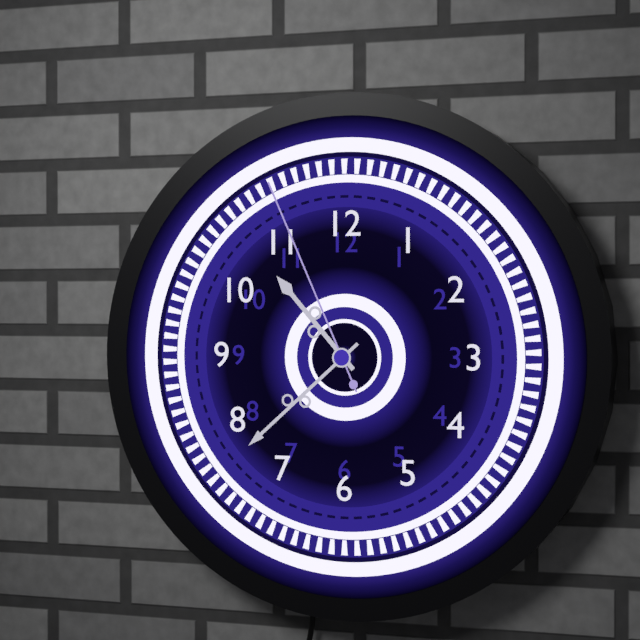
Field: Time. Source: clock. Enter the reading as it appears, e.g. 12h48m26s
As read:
10h38m56s
